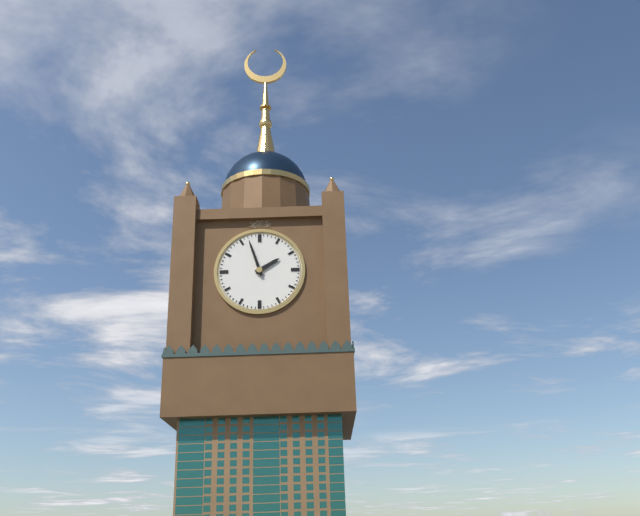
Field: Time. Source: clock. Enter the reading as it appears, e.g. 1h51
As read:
1h57
